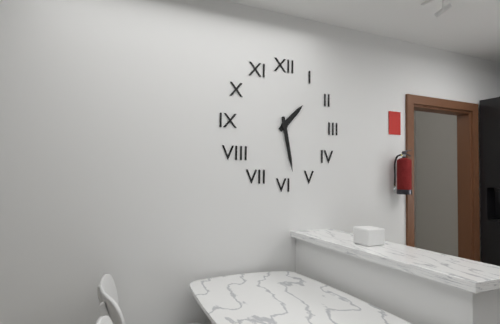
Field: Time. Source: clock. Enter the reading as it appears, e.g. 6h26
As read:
1h28
